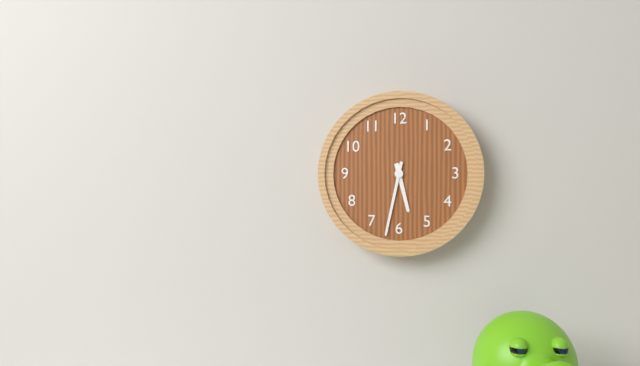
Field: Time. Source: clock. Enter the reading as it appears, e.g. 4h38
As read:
5h32
